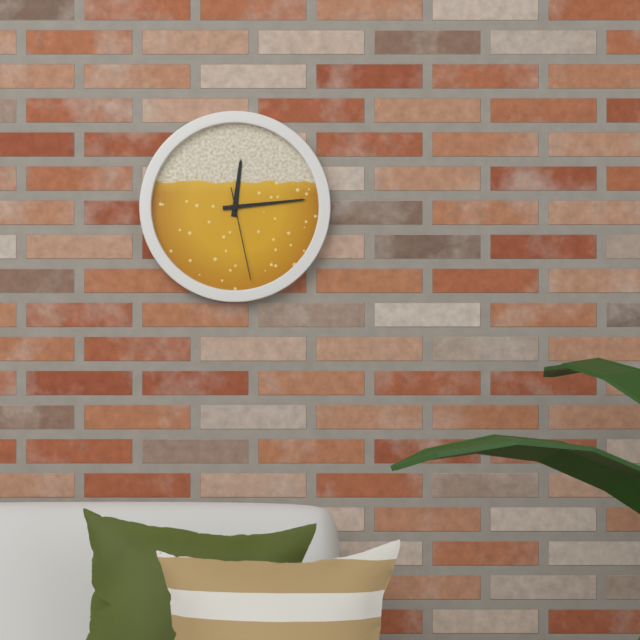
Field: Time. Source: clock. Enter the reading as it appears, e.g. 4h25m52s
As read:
12h14m28s
